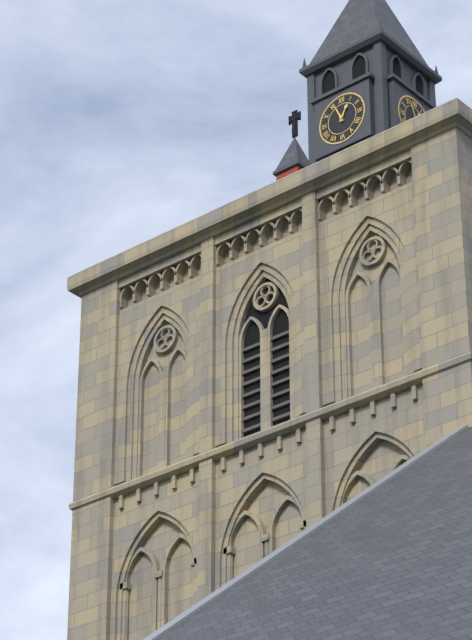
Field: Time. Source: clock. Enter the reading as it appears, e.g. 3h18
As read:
12h56
